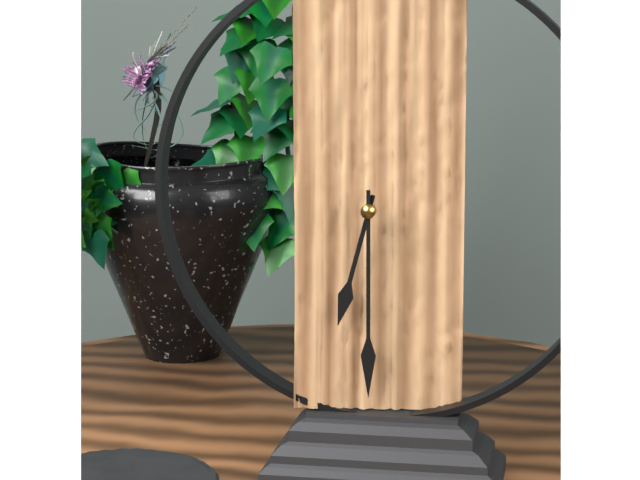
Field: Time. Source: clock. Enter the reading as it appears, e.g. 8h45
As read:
6h30
